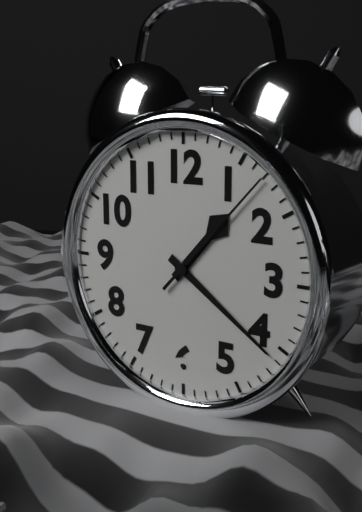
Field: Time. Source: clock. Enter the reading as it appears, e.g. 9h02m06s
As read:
1h21m07s
